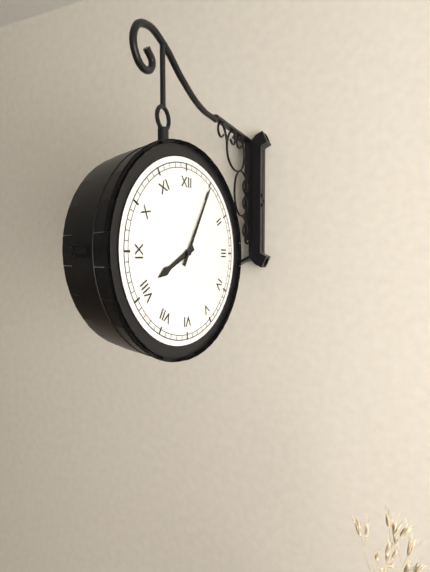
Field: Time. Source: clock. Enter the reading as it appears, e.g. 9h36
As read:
8h05
